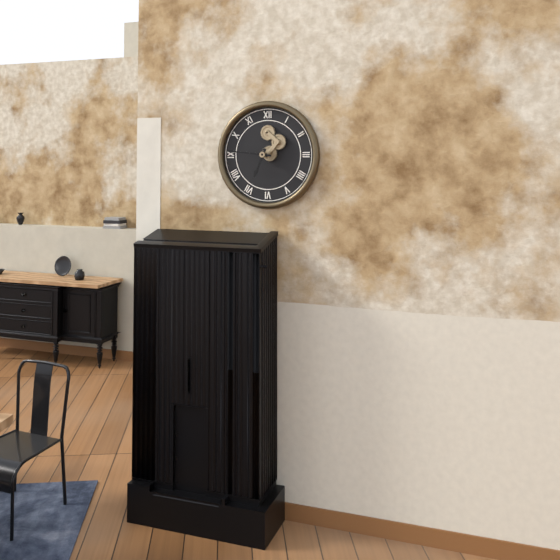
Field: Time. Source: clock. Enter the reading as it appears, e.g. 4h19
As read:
6h46
